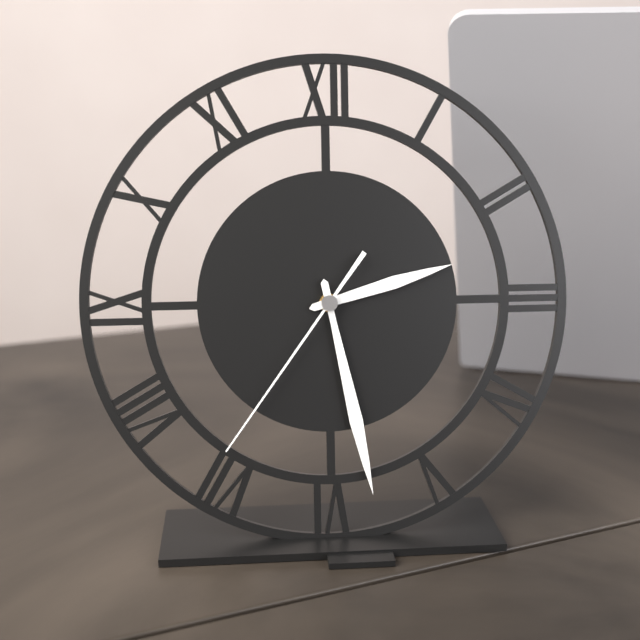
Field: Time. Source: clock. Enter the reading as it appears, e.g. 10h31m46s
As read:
2h28m36s
